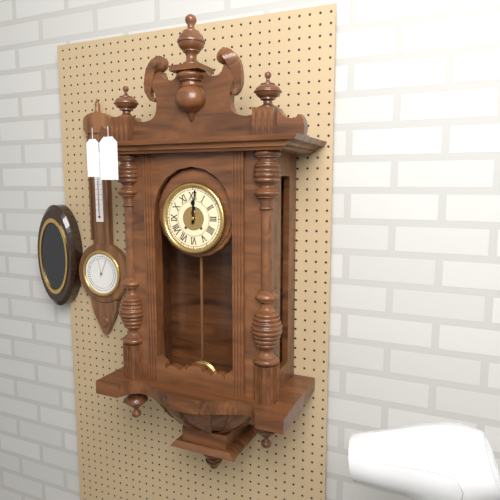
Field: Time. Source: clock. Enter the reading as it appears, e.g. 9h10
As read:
12h01
